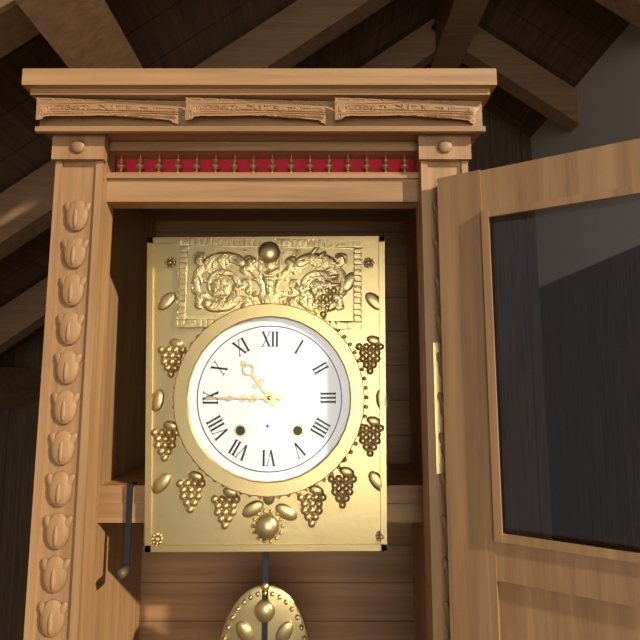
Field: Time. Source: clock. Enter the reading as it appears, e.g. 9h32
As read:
10h45
